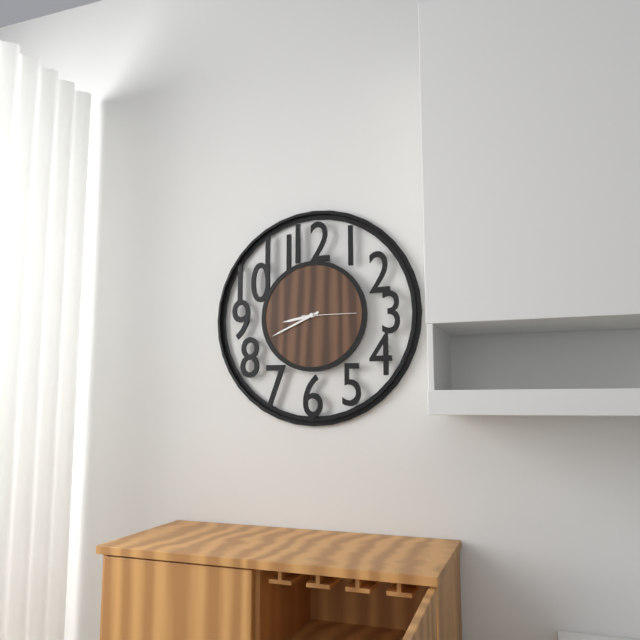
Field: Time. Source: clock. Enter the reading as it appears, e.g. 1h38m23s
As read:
8h41m15s
